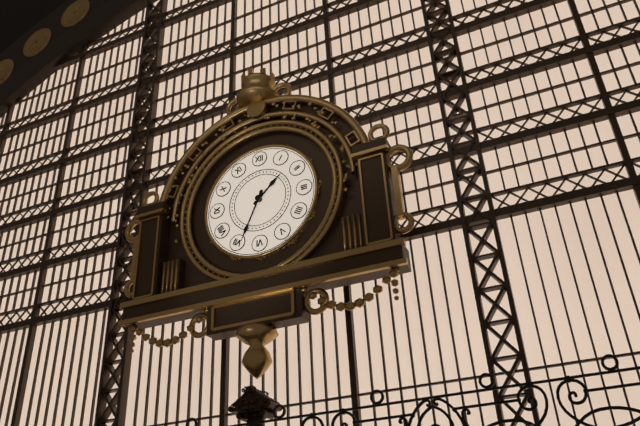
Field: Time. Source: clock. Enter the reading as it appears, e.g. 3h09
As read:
1h34
